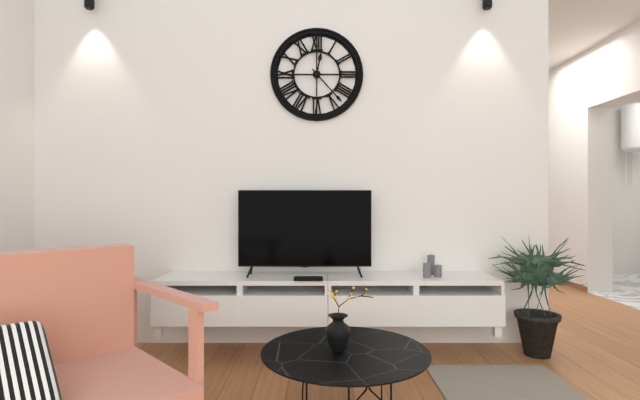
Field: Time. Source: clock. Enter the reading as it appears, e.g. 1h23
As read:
12h23
